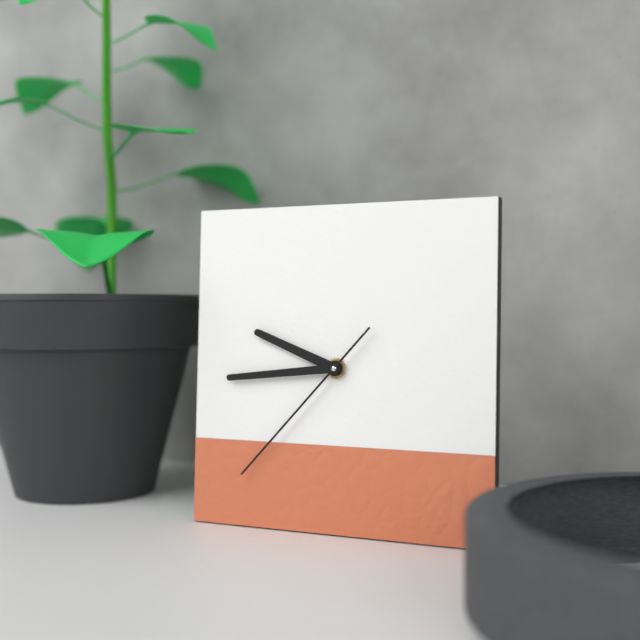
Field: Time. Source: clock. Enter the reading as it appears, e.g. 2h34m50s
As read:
9h44m37s
